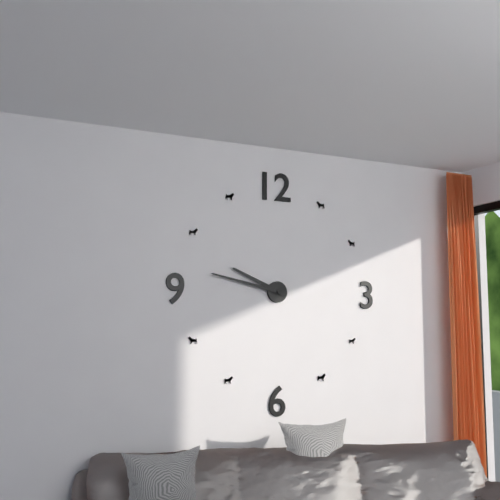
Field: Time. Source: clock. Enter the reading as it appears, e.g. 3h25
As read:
9h47
